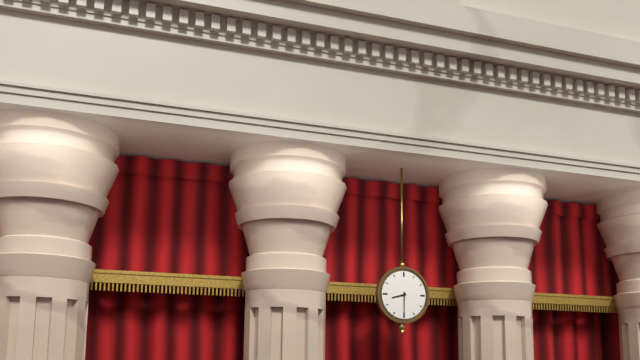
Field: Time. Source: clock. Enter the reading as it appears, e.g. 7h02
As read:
8h30
